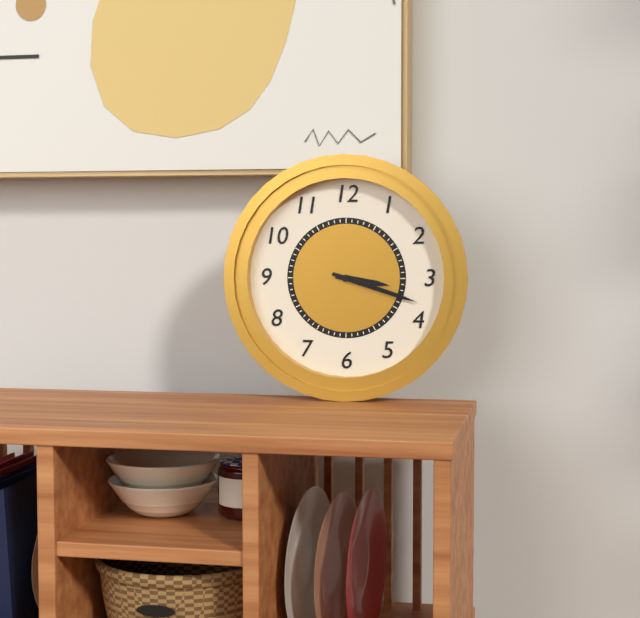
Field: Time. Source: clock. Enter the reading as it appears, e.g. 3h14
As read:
3h18
